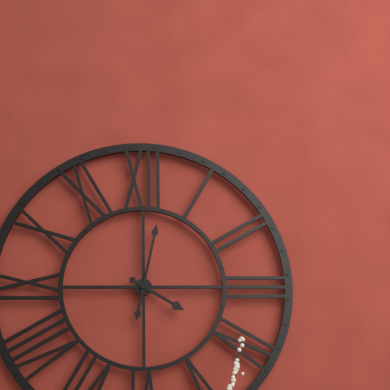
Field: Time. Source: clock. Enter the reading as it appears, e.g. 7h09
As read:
4h02
